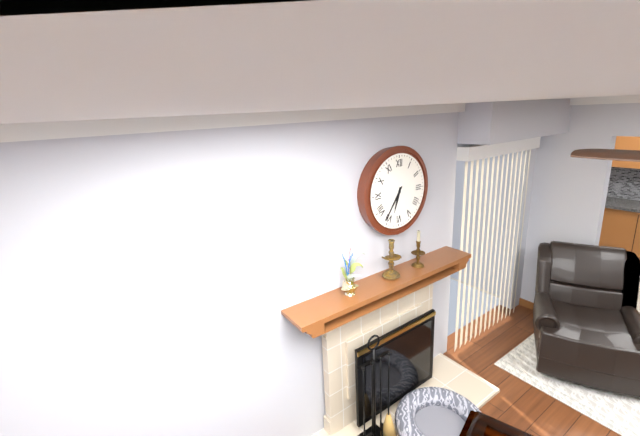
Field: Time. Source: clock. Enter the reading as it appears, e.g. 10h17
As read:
6h36
